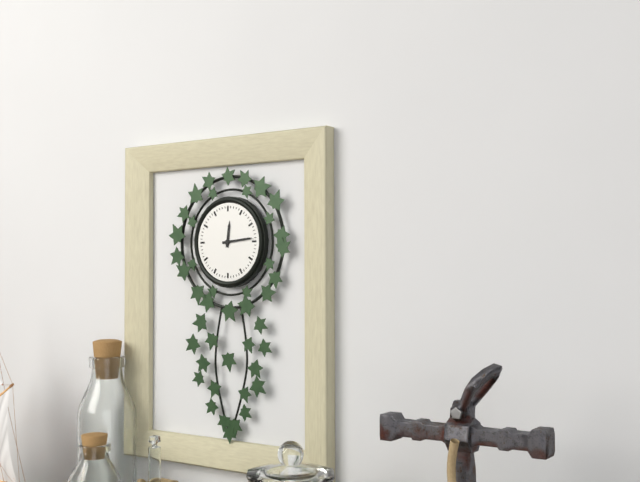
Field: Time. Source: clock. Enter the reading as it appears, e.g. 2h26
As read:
12h14
